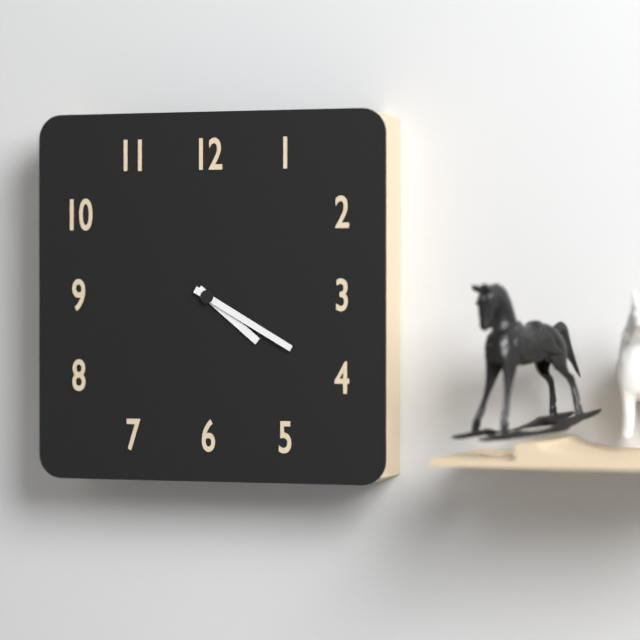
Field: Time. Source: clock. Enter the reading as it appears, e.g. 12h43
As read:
4h20
